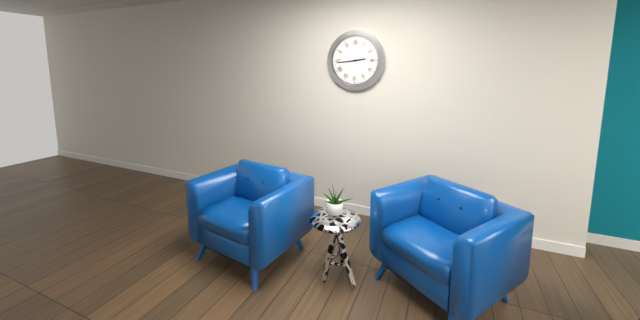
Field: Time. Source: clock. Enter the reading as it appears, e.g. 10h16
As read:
2h44
